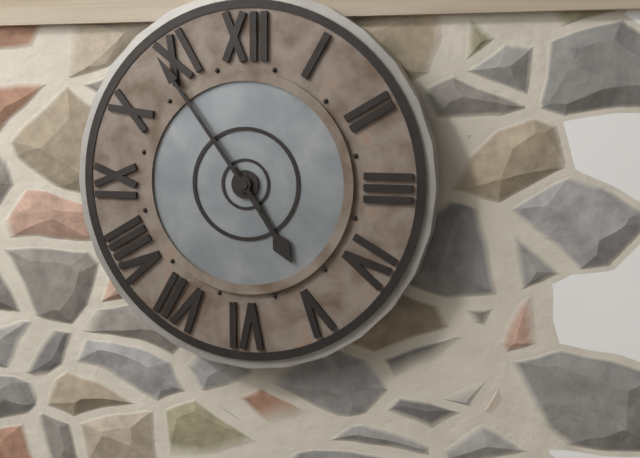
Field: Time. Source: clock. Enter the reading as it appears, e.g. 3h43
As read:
4h54
